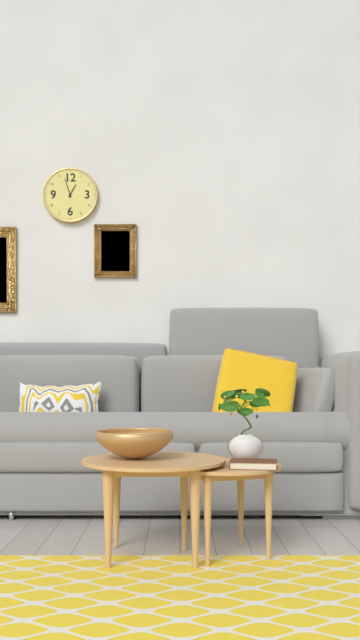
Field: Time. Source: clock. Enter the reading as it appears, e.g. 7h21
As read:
12h57
